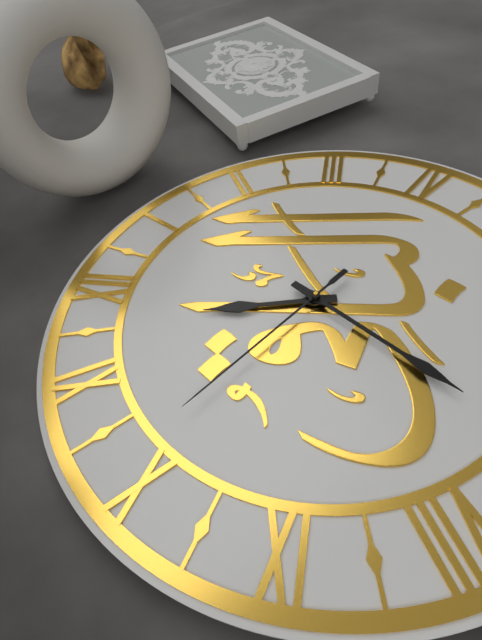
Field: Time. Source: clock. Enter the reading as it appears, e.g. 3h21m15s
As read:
11h36m51s
